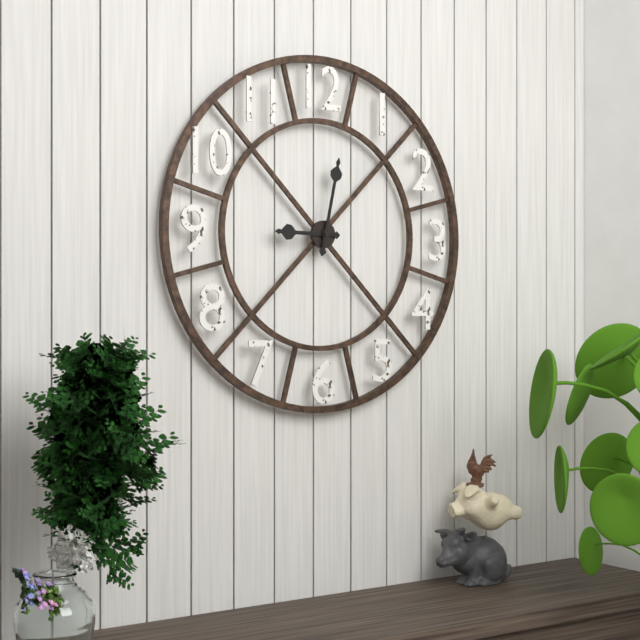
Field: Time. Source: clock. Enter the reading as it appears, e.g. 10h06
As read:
9h02
